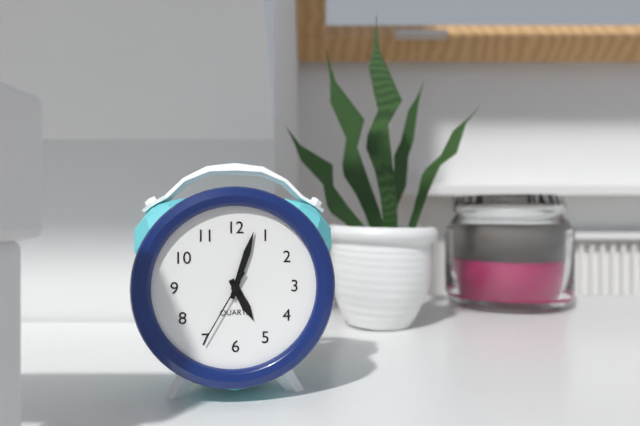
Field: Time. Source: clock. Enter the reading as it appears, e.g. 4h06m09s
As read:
5h03m35s
